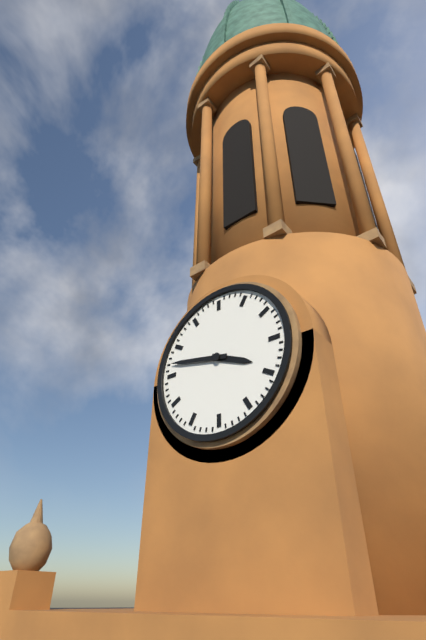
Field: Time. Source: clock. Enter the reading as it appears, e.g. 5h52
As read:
3h47
